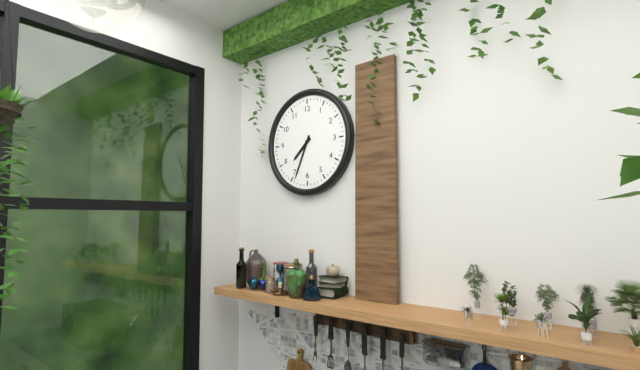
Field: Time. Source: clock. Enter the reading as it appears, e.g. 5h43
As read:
7h34
